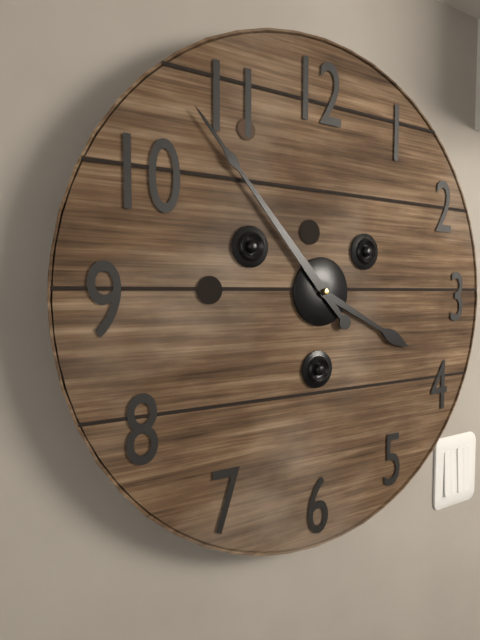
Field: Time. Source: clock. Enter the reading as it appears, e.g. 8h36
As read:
3h53
